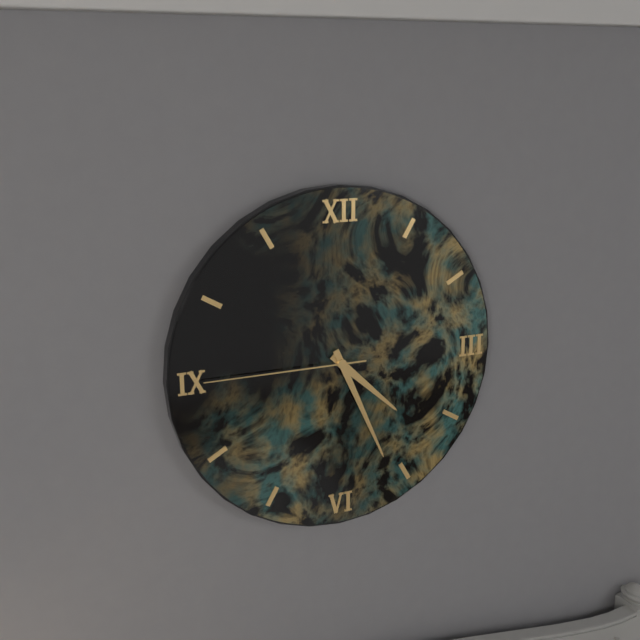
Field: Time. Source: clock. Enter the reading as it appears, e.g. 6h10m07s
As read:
4h26m45s
